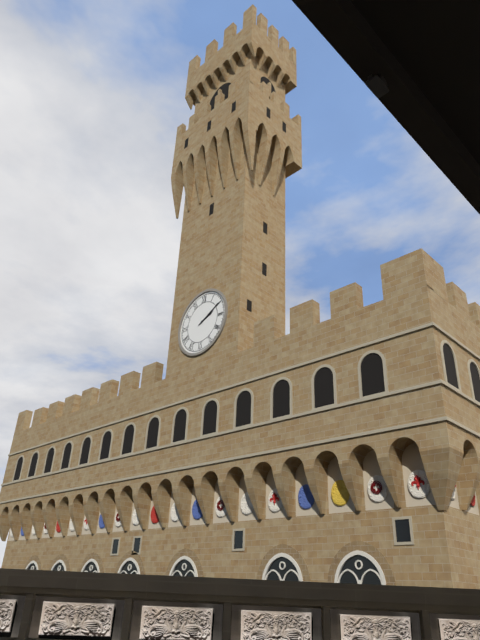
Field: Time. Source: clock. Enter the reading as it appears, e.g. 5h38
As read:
2h10
